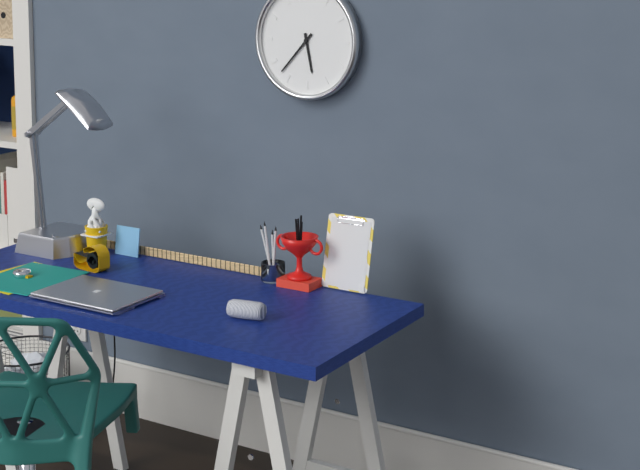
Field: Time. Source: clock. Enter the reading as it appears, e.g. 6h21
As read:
5h37
